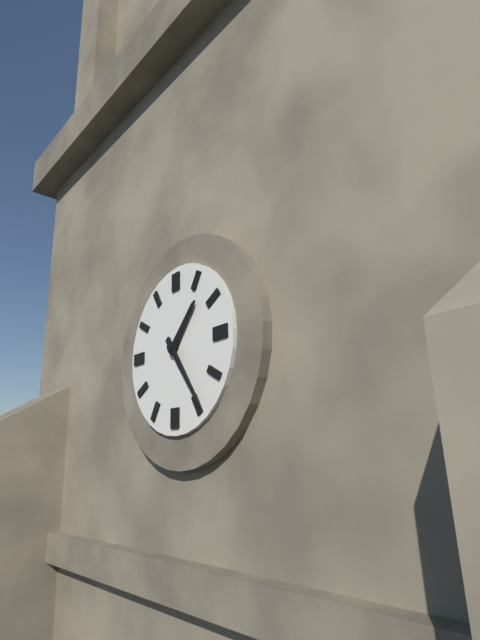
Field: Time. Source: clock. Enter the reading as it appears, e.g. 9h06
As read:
1h24
